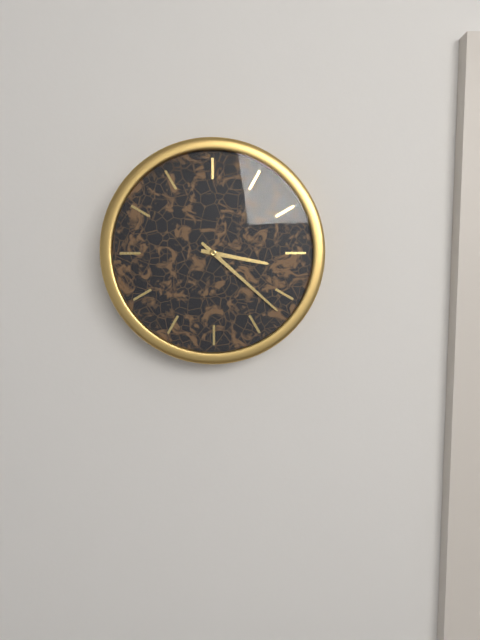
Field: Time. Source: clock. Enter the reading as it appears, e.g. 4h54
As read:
3h22
